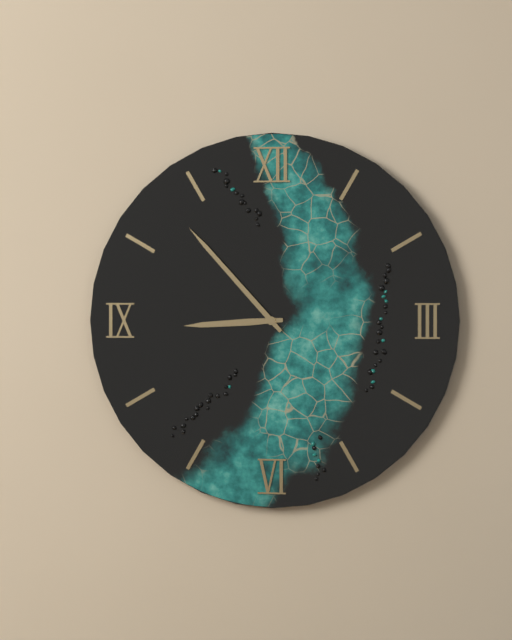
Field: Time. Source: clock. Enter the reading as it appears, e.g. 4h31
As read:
8h53
